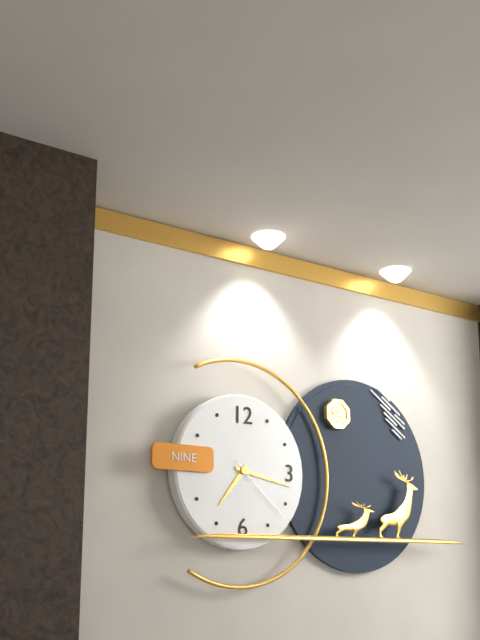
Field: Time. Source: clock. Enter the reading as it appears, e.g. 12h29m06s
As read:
7h17m22s
